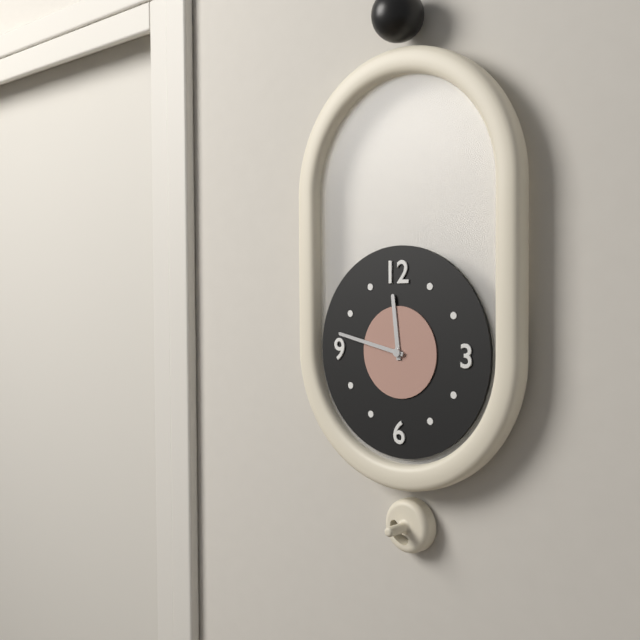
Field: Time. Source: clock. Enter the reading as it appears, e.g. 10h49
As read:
11h47
